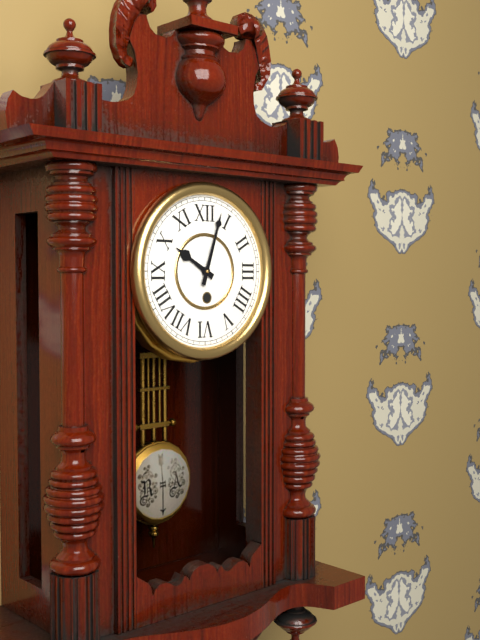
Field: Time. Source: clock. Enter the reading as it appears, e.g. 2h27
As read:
10h03
